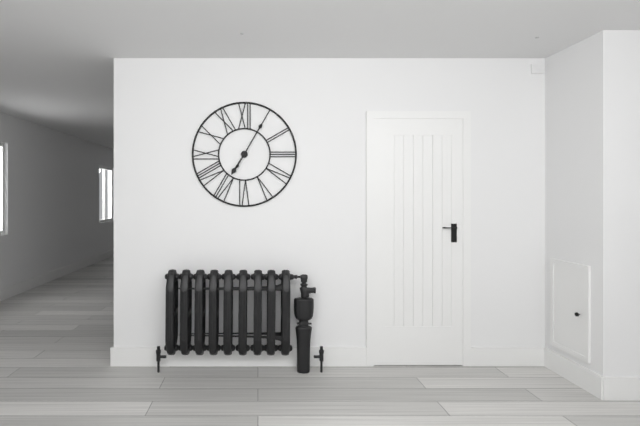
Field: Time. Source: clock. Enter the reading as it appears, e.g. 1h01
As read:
7h05
